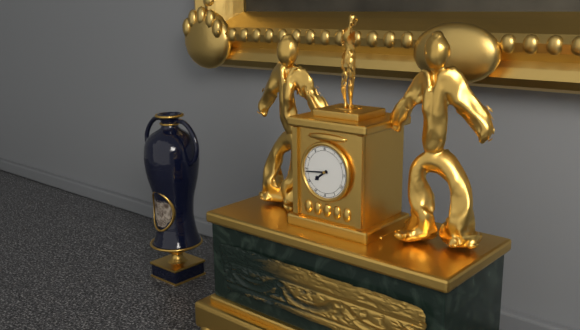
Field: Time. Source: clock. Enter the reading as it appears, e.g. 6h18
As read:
7h44
